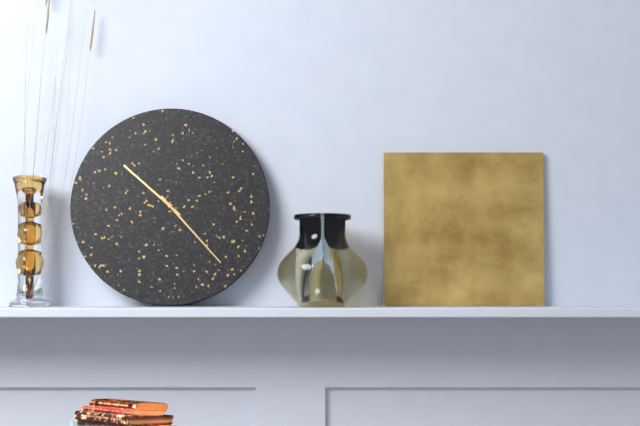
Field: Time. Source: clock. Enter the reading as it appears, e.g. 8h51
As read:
10h23
